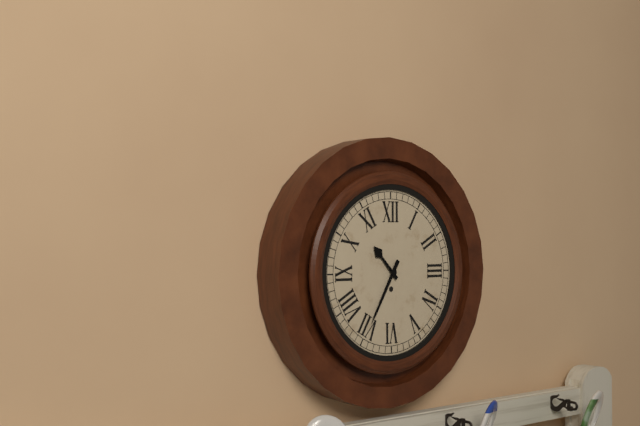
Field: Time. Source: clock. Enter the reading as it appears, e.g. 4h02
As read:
10h35
